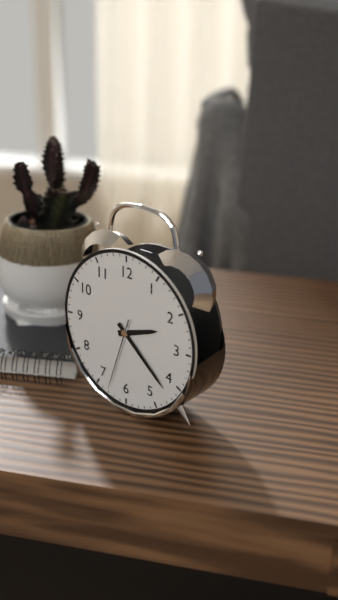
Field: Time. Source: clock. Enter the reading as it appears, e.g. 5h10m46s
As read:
2h22m33s
